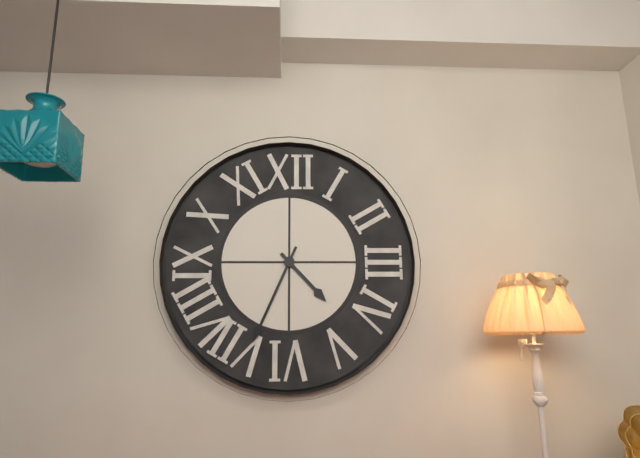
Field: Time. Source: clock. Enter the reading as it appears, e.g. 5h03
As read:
4h34
